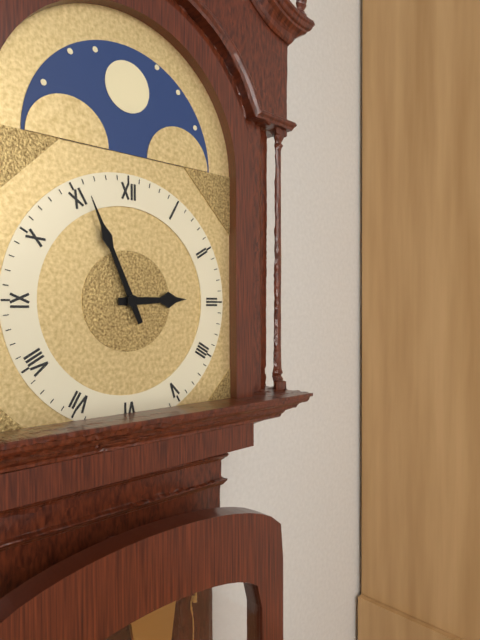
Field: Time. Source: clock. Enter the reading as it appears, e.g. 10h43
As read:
2h56
